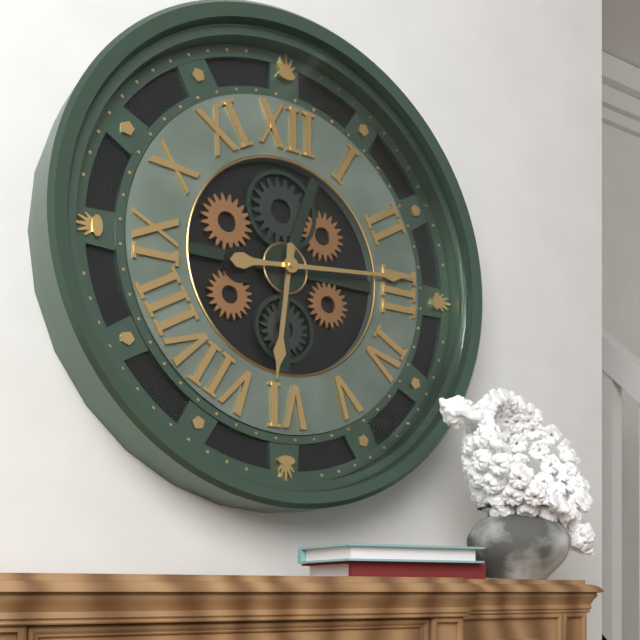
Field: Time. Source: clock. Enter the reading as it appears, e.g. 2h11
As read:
6h14
